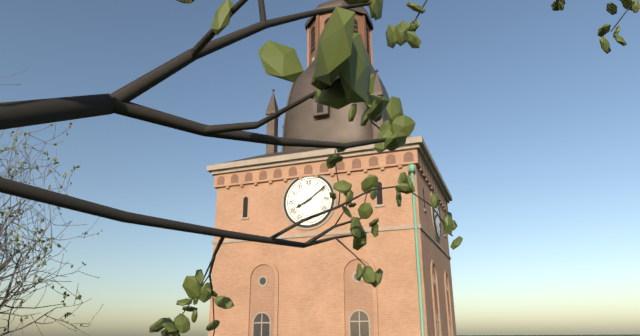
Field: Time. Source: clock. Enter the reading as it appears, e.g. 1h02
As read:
8h09
